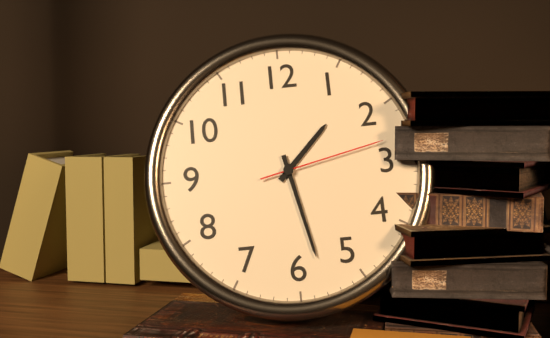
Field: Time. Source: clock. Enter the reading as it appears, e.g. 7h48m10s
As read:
1h28m13s
